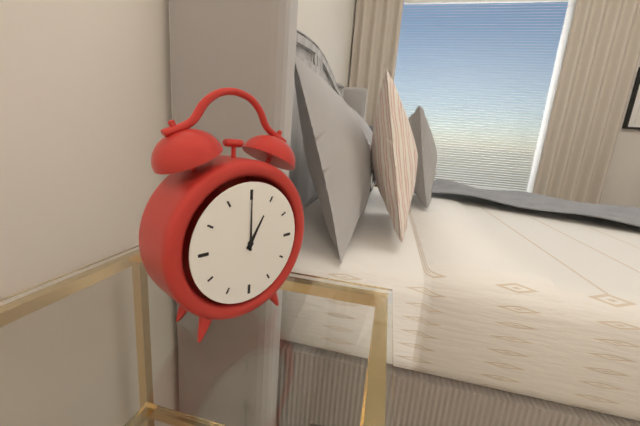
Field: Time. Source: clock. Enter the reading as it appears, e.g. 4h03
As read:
1h00
